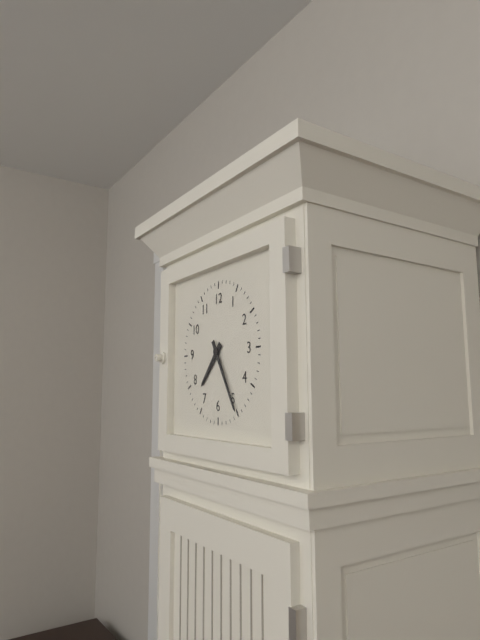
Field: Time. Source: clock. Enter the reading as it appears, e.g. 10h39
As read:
7h25
